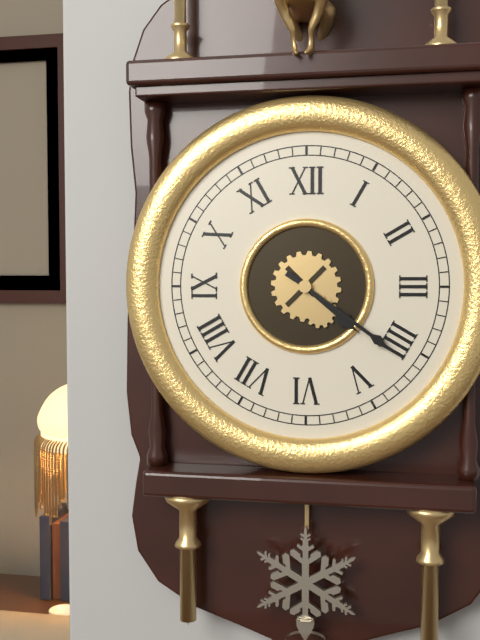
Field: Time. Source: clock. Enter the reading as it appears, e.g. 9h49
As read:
4h21
